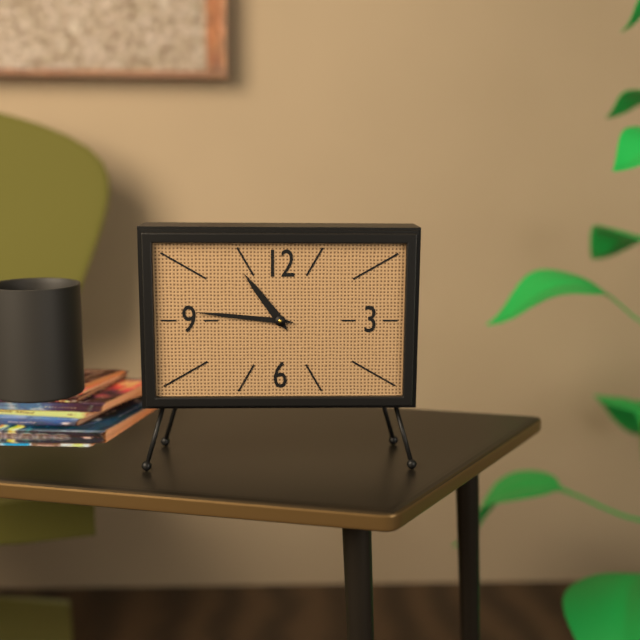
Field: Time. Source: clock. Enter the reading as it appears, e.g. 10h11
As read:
10h46
